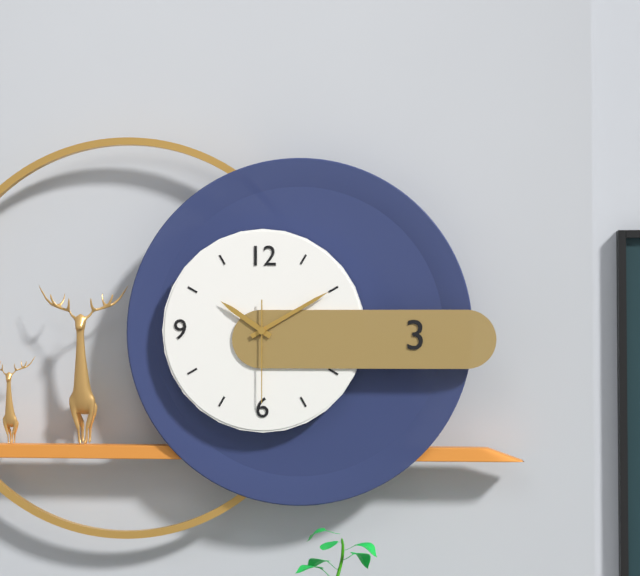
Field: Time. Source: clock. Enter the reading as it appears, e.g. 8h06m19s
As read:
10h10m30s
